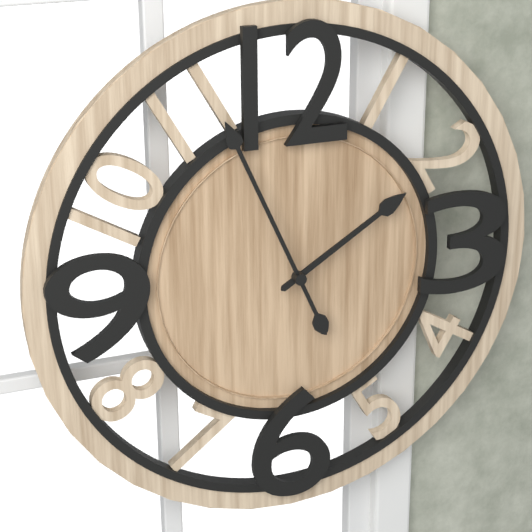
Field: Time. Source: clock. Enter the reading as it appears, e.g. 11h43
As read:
1h56
